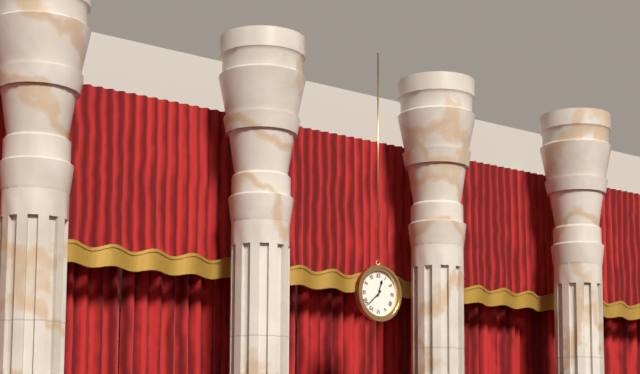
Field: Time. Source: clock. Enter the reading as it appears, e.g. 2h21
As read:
12h38
